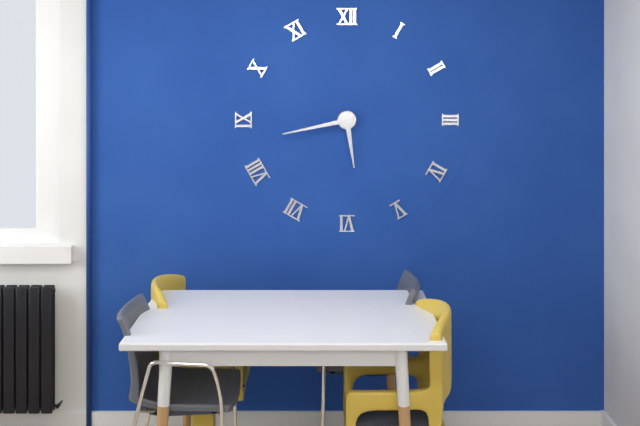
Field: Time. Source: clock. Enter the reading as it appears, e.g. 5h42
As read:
5h43
